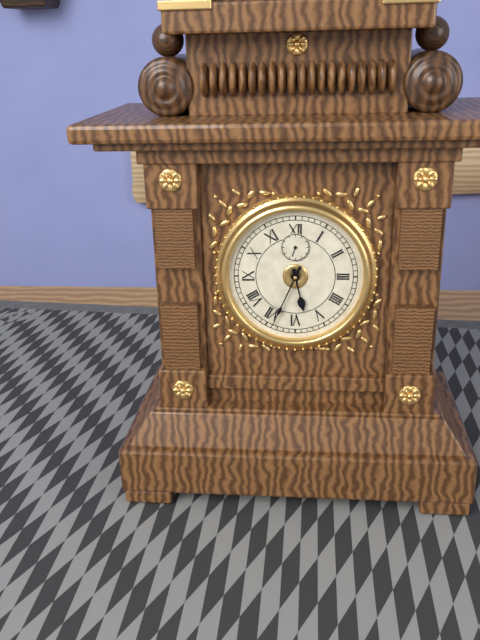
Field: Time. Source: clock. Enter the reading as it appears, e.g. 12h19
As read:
5h34
